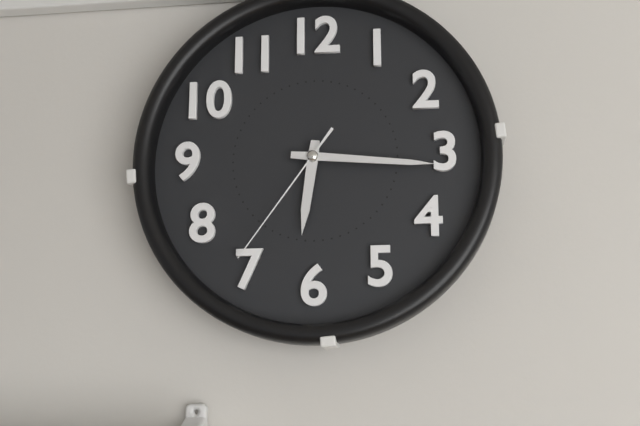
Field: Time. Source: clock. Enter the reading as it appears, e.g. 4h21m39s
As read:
6h16m36s
